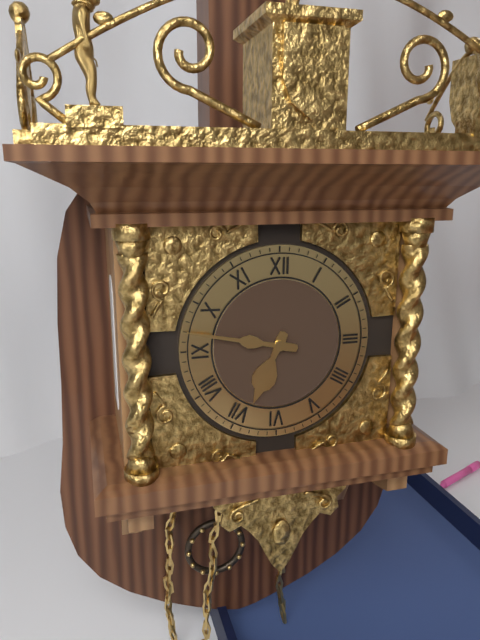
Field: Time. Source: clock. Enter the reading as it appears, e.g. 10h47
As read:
6h47
